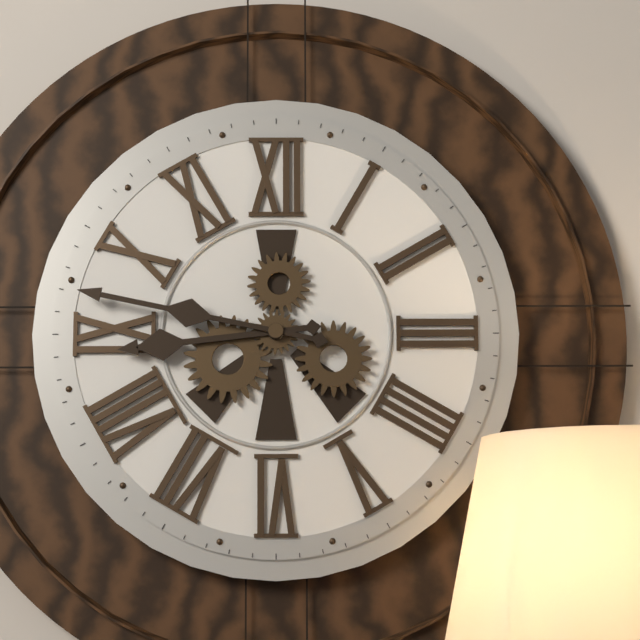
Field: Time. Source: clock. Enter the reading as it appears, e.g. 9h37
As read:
8h47
